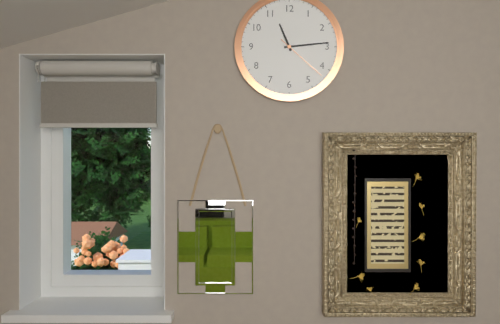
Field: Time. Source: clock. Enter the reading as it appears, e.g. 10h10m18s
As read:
11h14m22s
